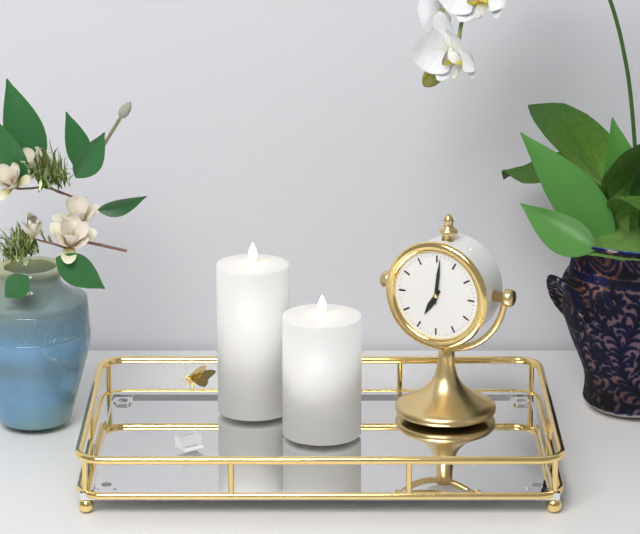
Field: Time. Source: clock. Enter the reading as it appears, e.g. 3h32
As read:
7h01
